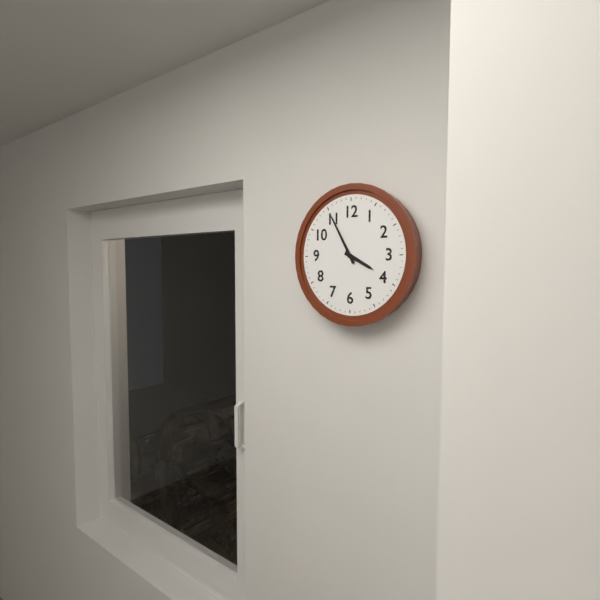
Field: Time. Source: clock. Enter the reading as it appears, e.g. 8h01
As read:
3h55
